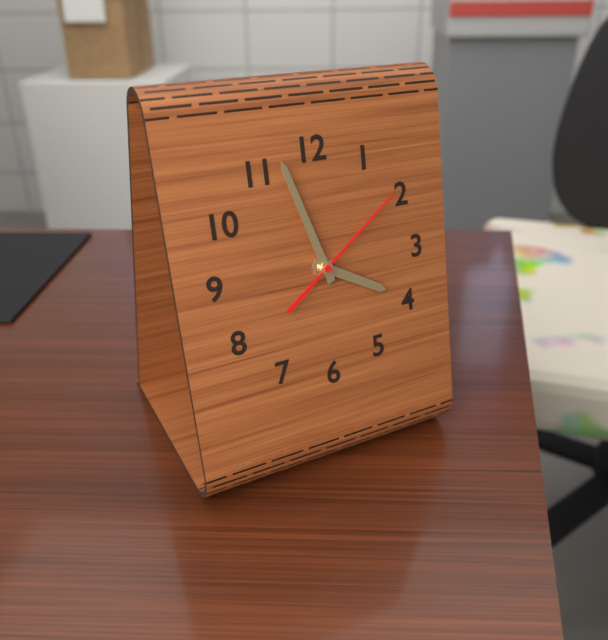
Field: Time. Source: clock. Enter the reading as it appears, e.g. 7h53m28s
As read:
3h57m09s
